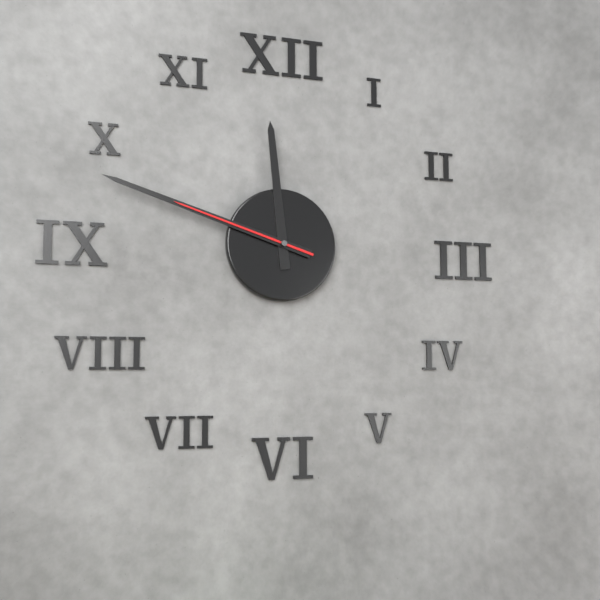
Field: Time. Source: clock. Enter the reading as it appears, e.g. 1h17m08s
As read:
11h48m48s
